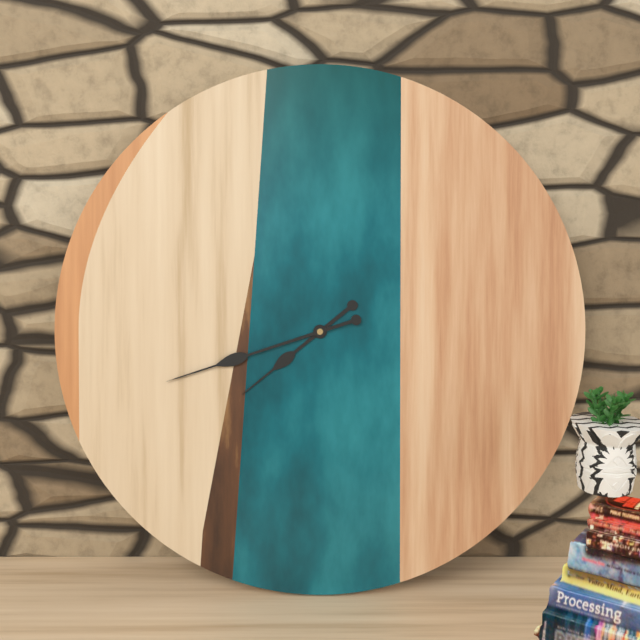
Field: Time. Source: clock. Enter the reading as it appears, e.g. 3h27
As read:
7h42
